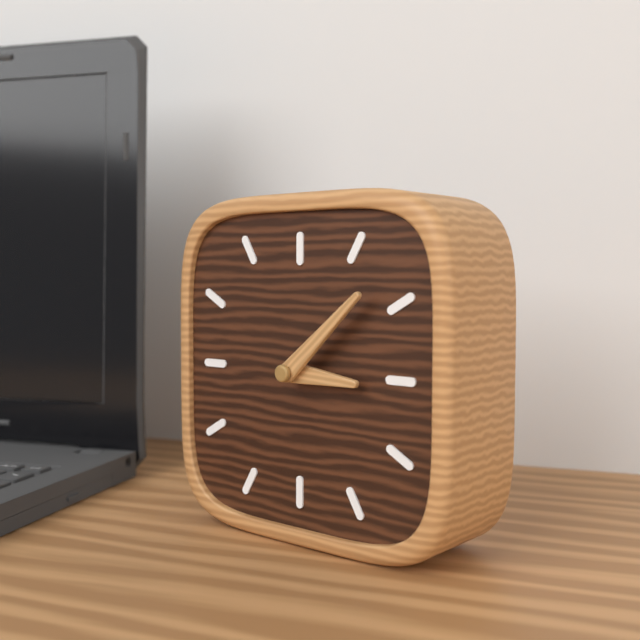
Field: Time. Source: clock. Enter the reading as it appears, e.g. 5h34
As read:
3h08
